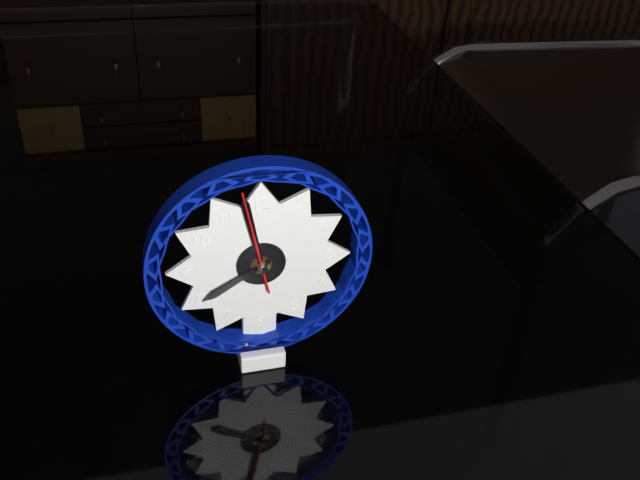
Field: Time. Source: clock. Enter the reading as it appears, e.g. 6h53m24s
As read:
7h58m58s
